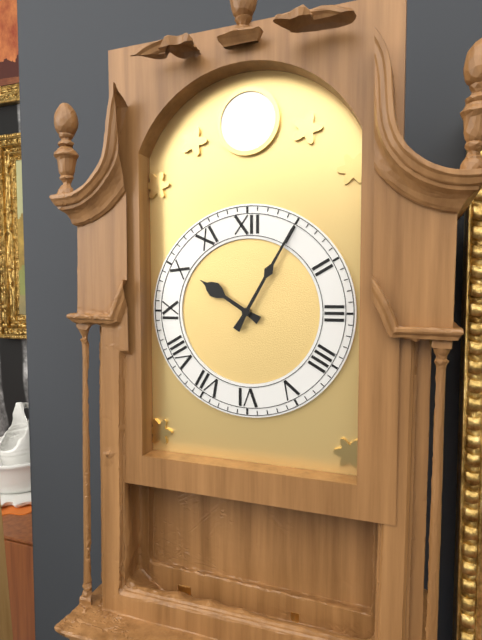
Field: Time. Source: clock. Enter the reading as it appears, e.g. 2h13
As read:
10h05
